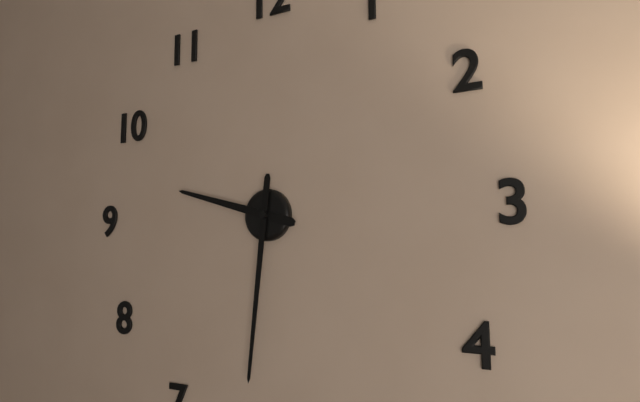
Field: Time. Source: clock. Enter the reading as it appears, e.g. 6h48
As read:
9h31
